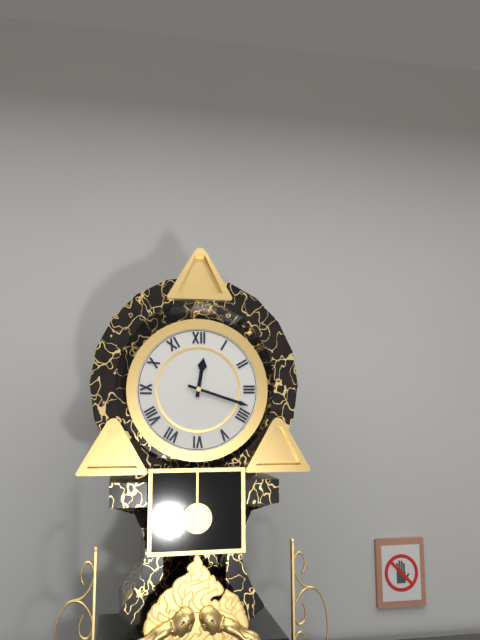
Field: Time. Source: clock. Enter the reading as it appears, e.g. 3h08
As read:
12h18
